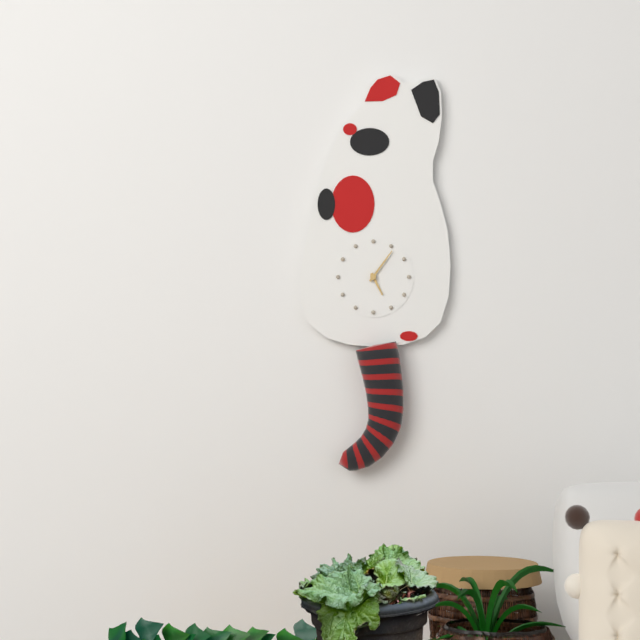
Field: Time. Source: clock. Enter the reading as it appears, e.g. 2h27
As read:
5h06
